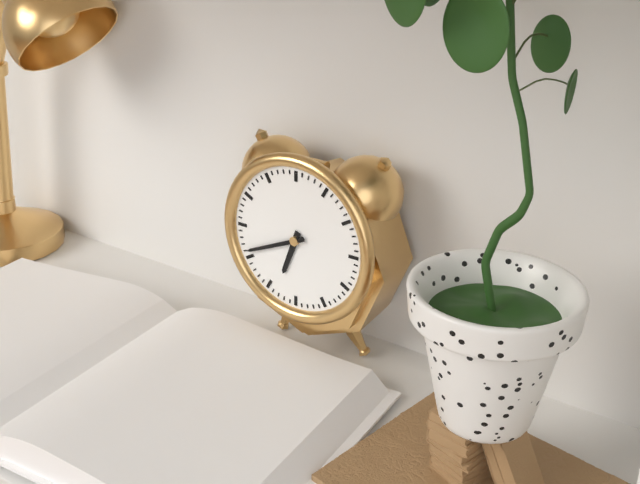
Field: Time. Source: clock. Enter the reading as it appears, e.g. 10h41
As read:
6h41
